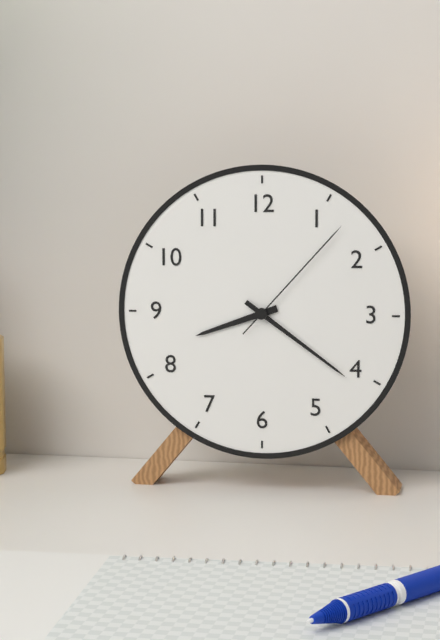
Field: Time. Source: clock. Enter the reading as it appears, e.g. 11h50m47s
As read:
8h21m07s
